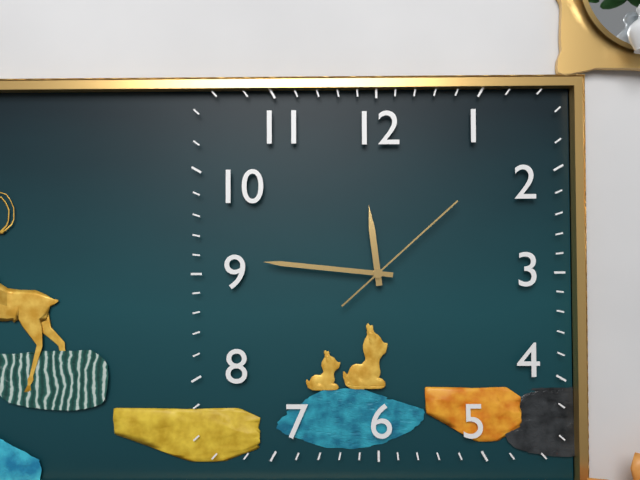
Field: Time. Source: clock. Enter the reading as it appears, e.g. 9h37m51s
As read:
11h46m08s
